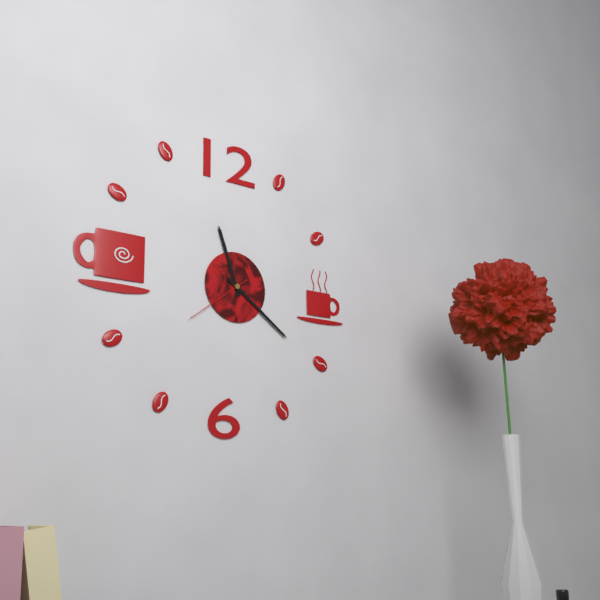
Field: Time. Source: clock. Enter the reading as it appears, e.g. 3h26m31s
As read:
11h21m39s
